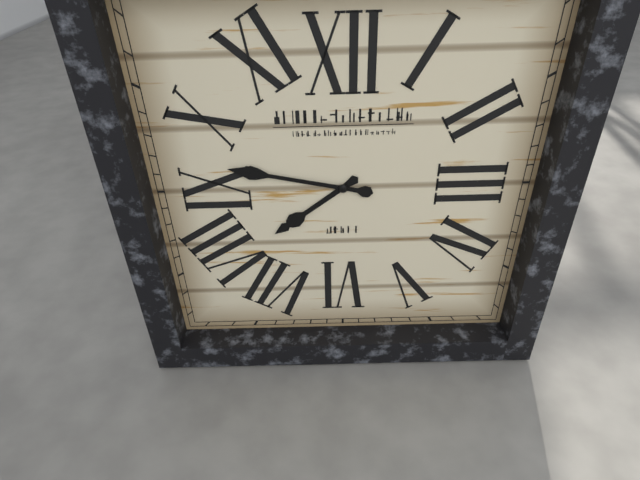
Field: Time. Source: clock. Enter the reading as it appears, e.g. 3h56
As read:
7h47
